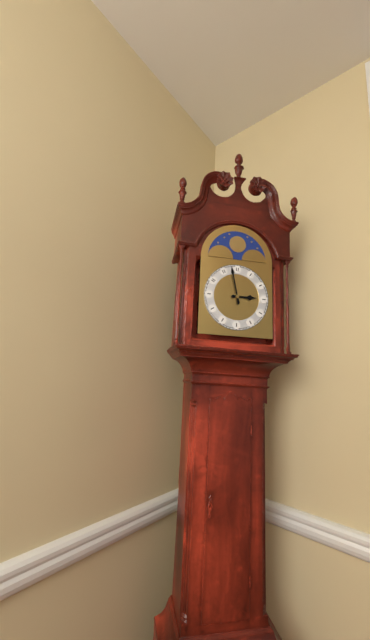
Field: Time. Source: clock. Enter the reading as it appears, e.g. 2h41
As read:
2h58
